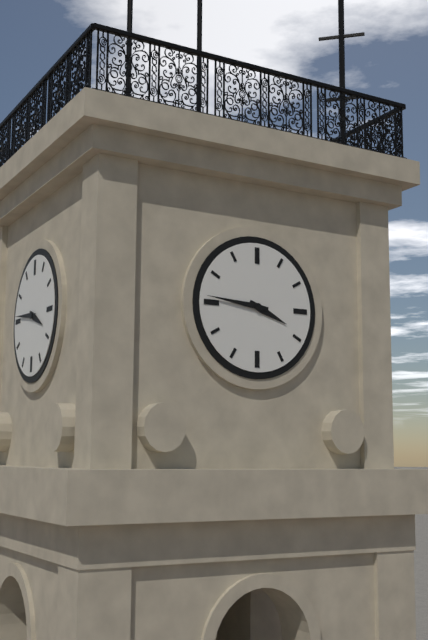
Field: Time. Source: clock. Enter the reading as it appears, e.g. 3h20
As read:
3h46
